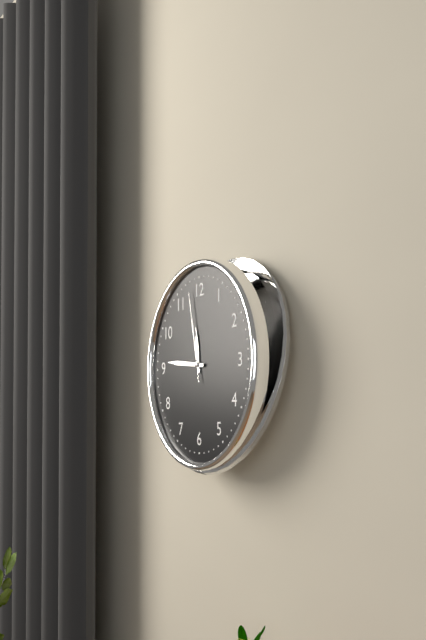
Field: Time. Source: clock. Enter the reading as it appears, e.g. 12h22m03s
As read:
11h46m58s
